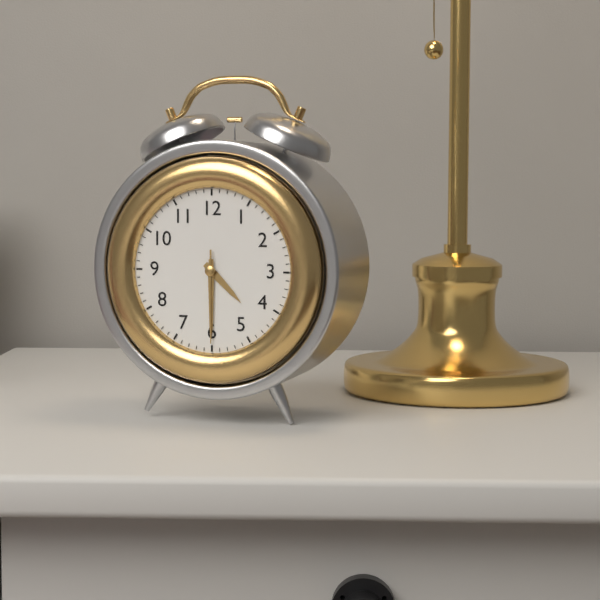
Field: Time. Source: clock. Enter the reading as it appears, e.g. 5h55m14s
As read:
4h30m30s
